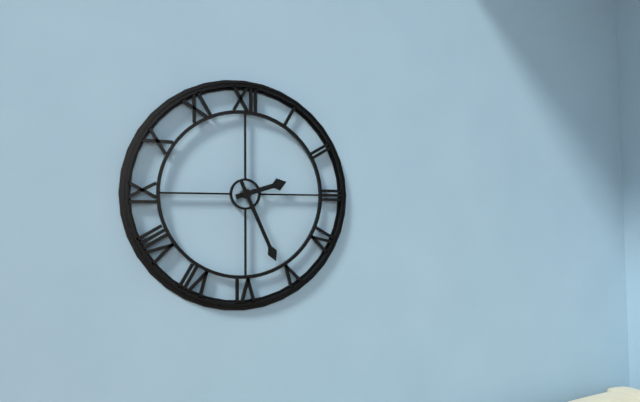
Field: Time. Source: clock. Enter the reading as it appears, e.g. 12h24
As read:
2h26
